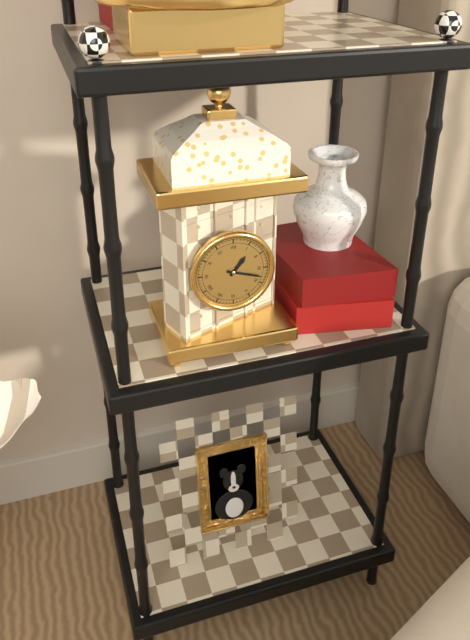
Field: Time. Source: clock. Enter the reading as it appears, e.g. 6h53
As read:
1h18
